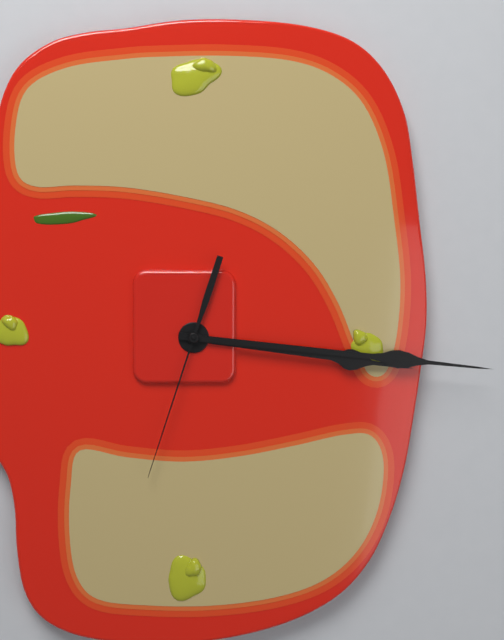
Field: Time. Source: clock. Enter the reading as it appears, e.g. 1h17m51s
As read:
3h16m33s
